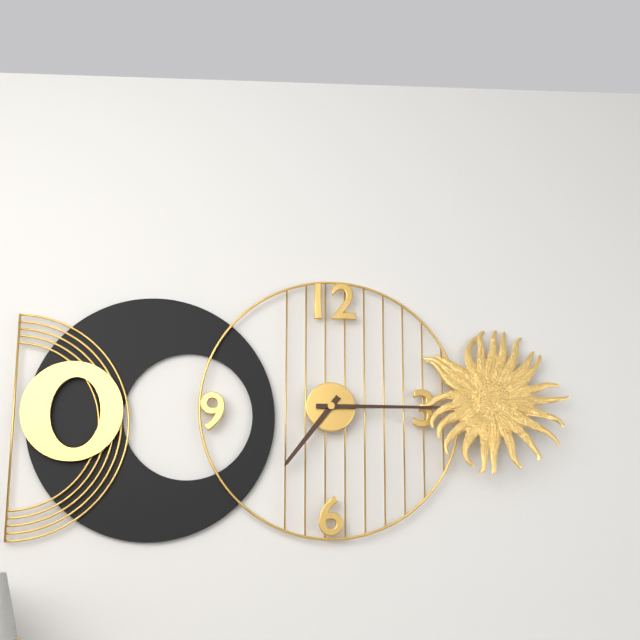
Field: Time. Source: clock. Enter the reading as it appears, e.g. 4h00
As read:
7h15
